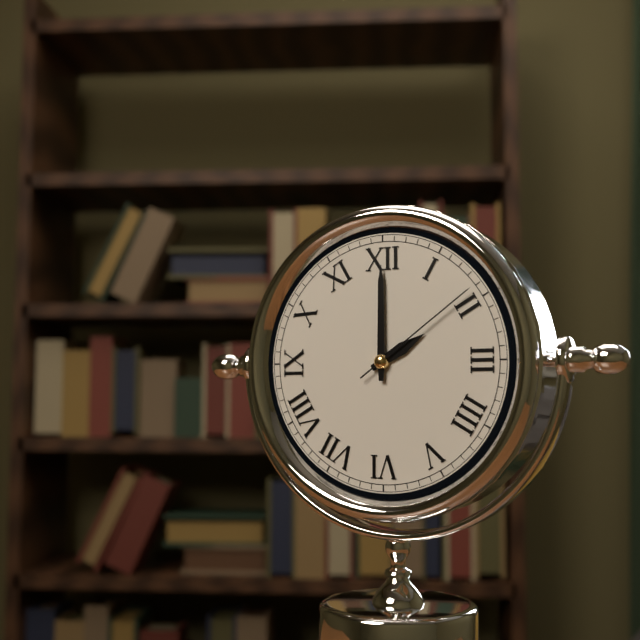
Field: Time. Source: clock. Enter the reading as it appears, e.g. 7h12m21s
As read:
2h00m09s
